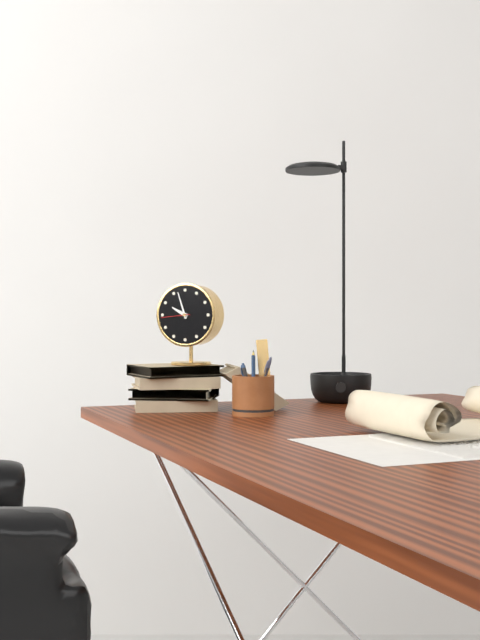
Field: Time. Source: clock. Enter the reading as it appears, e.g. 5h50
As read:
9h57
